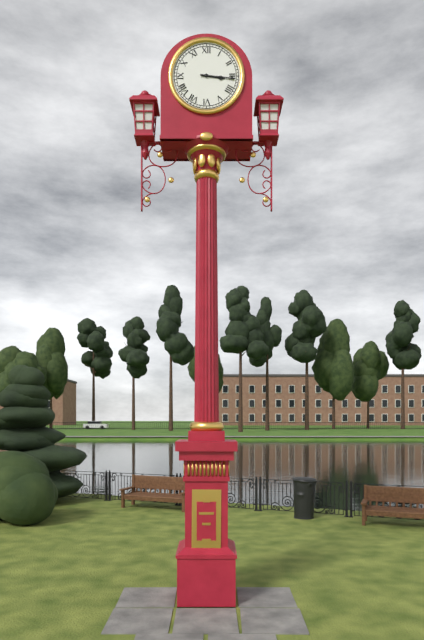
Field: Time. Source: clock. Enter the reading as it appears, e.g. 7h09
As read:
3h16
